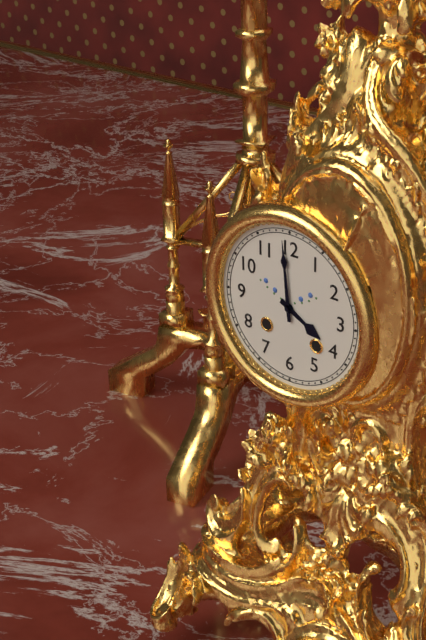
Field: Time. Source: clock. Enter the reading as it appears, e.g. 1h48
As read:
3h59
